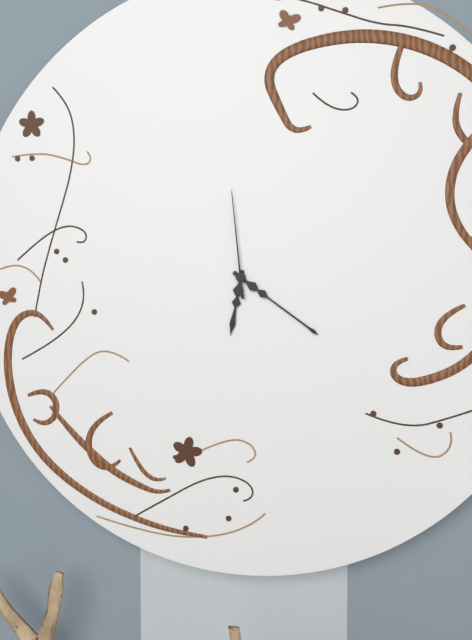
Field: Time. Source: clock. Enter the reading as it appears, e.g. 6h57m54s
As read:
6h21m59s
